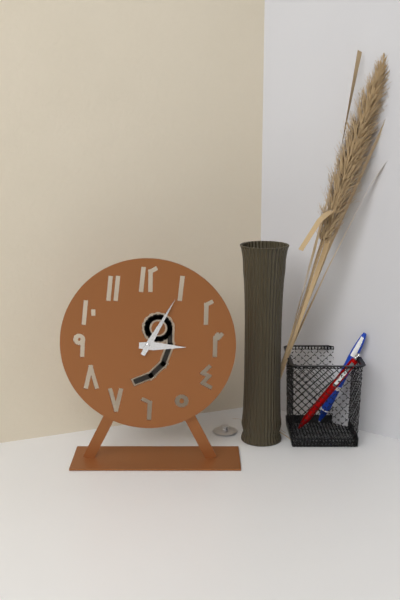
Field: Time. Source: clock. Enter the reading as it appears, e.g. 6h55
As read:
3h05
